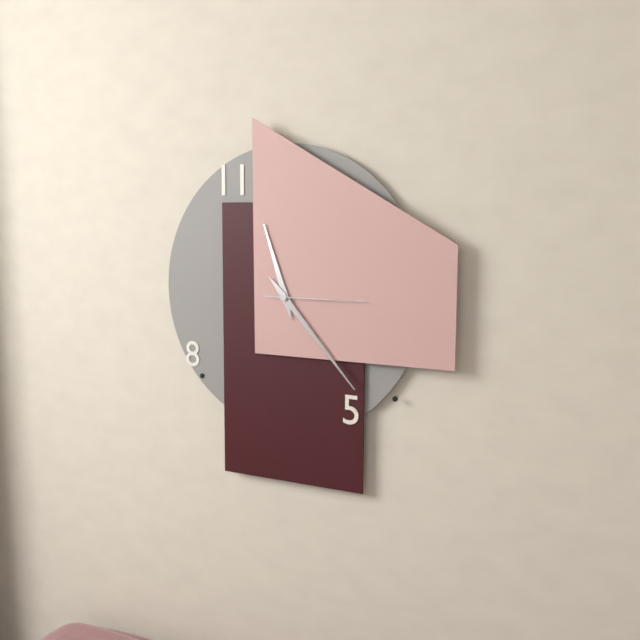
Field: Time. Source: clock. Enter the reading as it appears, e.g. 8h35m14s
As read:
11h23m15s
